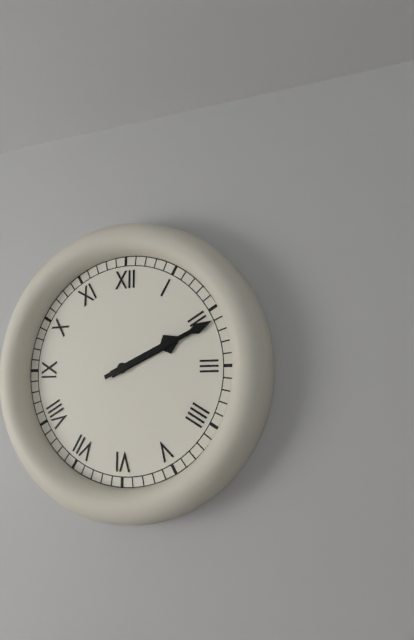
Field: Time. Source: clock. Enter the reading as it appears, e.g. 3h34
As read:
2h11
